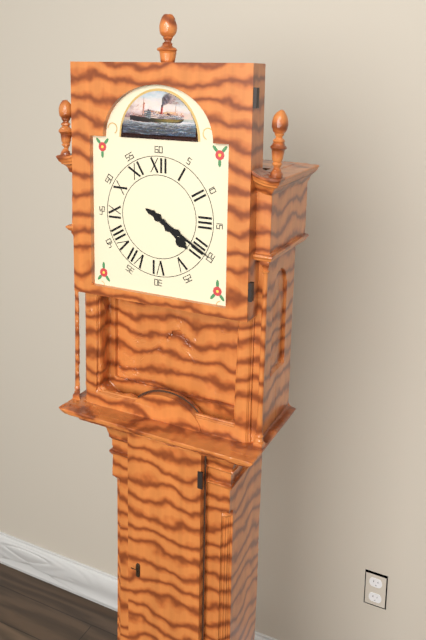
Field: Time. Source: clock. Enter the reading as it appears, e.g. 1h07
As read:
4h20
